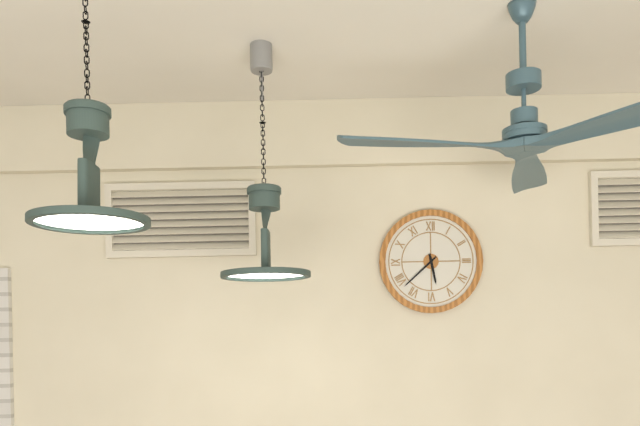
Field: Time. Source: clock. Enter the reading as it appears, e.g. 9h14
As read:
5h38
